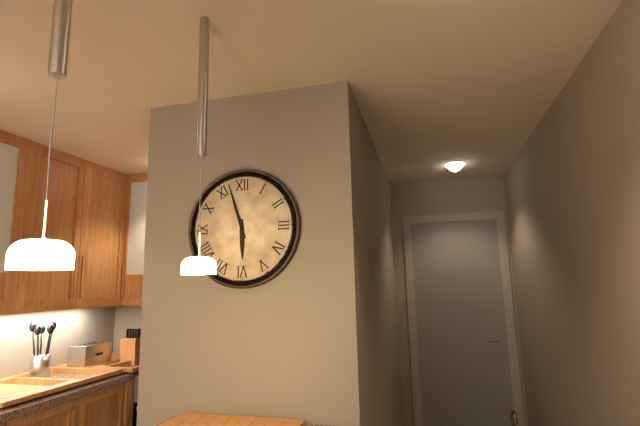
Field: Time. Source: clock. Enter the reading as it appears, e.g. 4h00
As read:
5h57
